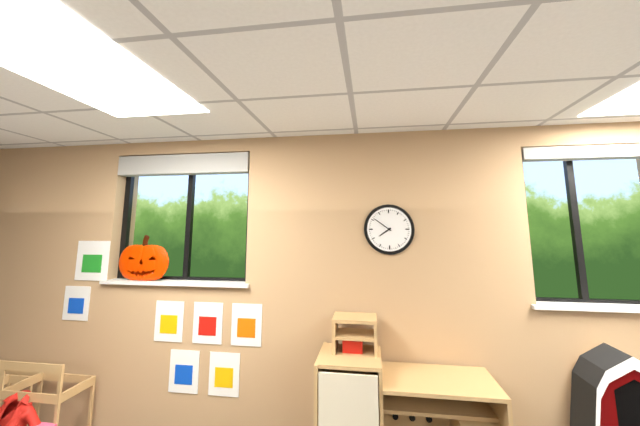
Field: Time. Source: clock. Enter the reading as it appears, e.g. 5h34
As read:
7h51
